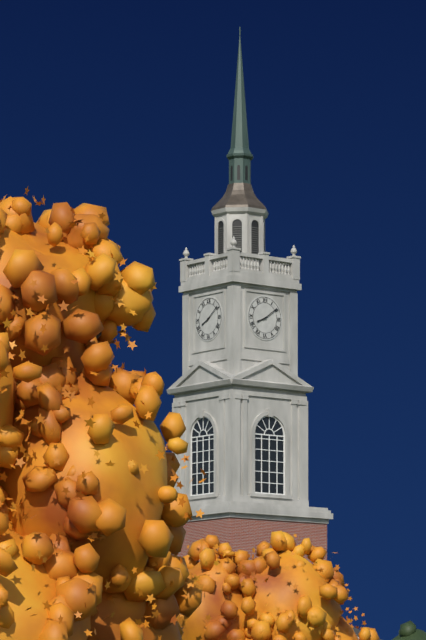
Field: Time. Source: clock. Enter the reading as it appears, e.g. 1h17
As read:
8h09
